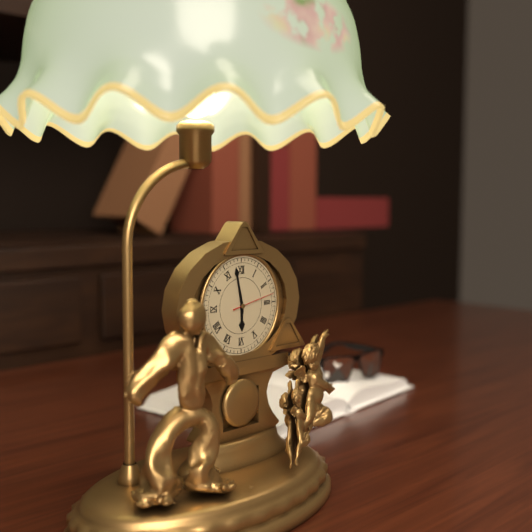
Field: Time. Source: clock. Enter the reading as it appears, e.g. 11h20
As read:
5h58
